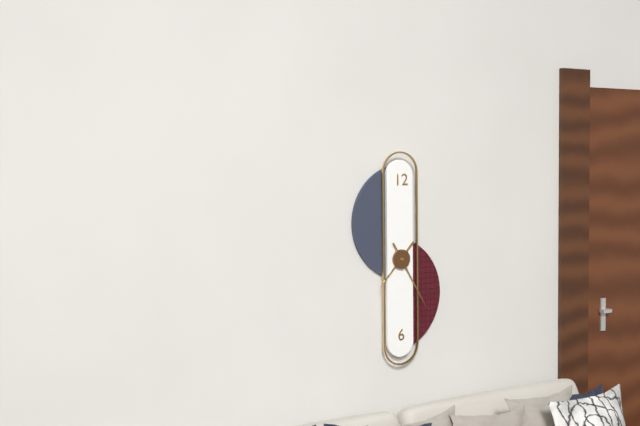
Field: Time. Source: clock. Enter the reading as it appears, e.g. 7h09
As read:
7h25
